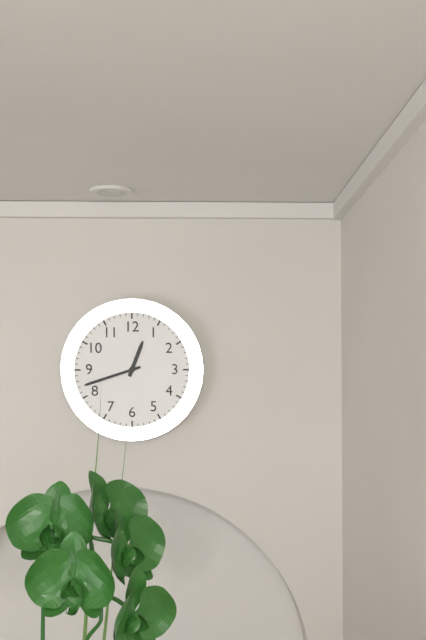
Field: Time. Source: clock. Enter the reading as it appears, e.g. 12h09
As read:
12h42
